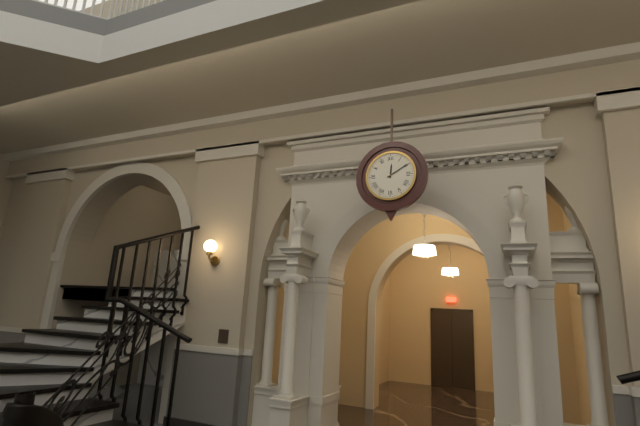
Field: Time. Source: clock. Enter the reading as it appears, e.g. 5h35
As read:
12h10
